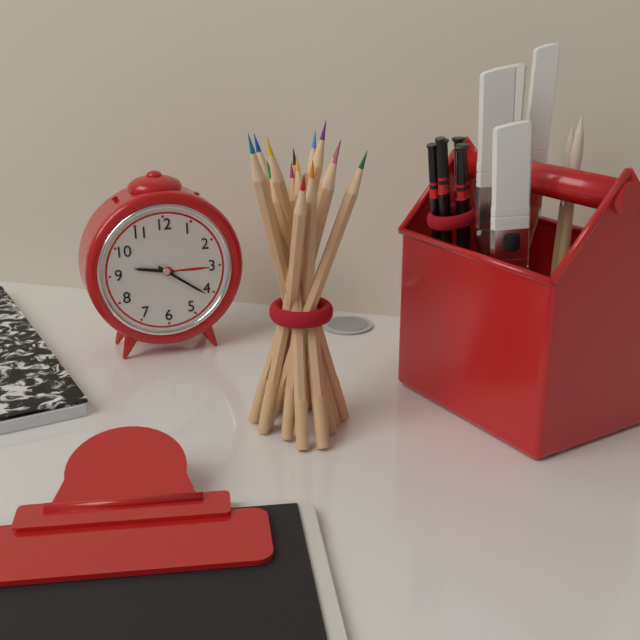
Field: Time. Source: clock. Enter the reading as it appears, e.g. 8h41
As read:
9h21
